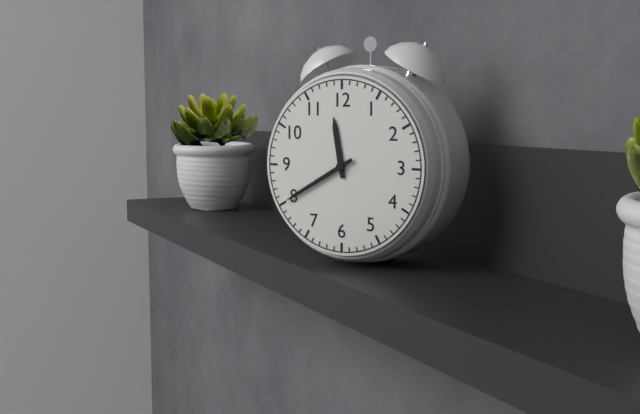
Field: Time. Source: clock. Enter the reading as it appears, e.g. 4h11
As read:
11h40
